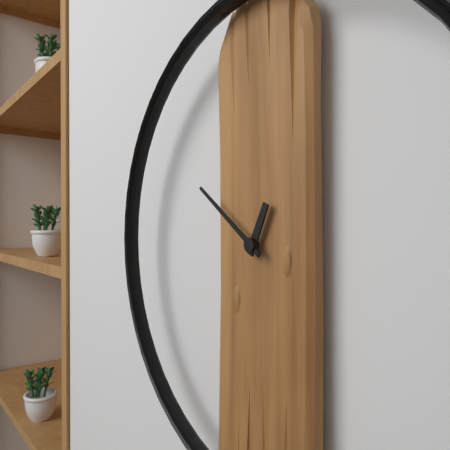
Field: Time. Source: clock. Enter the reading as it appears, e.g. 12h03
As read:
12h51
